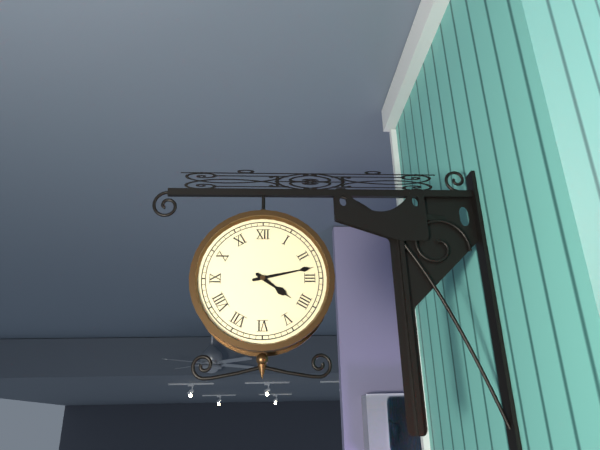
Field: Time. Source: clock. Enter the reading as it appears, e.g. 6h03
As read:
4h13
